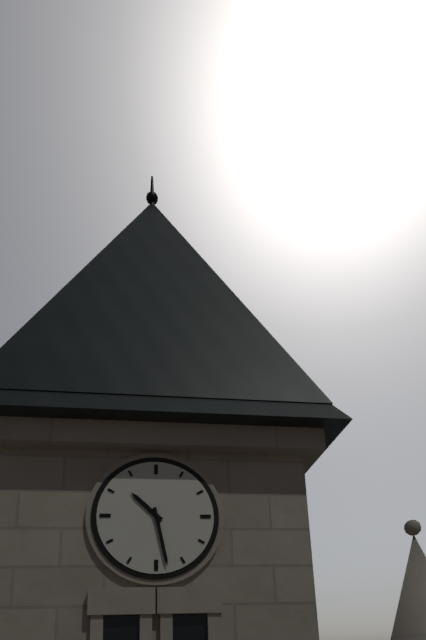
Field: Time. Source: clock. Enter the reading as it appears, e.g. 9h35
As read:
10h28
